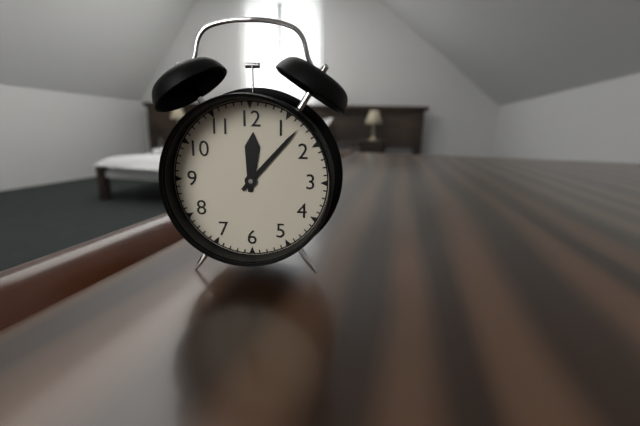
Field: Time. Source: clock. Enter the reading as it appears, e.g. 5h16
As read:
12h07
